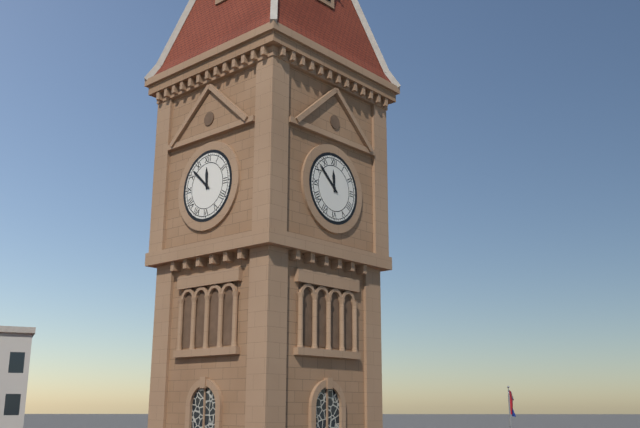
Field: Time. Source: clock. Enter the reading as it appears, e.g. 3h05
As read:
11h52
